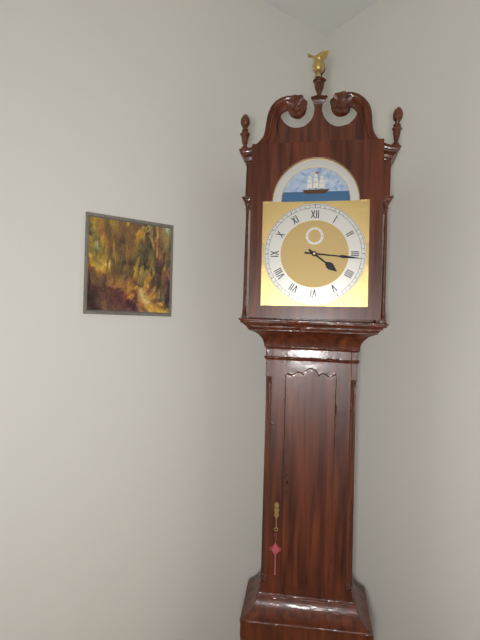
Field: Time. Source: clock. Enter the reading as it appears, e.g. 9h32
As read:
4h16
